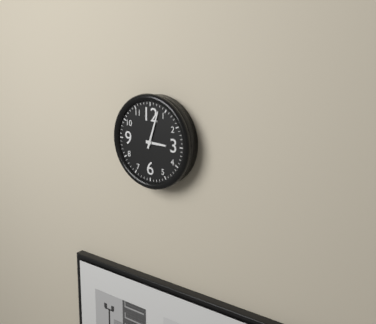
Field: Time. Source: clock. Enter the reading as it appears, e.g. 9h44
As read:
3h03
